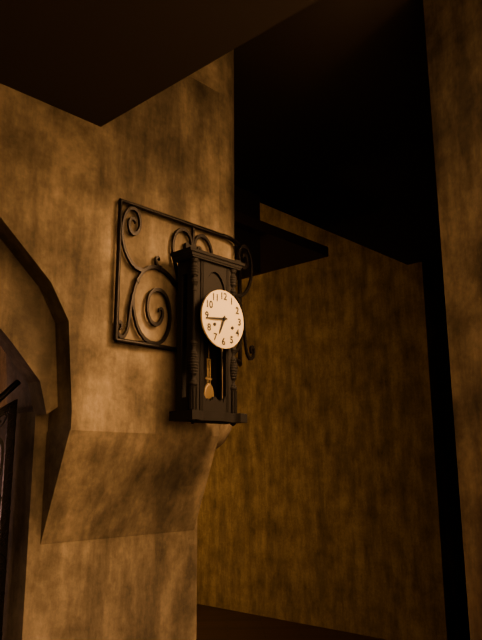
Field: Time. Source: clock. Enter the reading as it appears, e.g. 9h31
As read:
6h44
